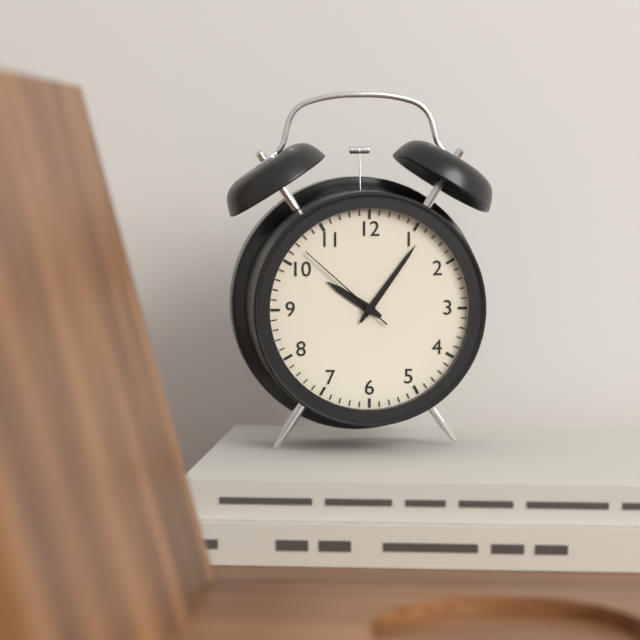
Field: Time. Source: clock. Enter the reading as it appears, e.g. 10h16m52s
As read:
10h06m52s
